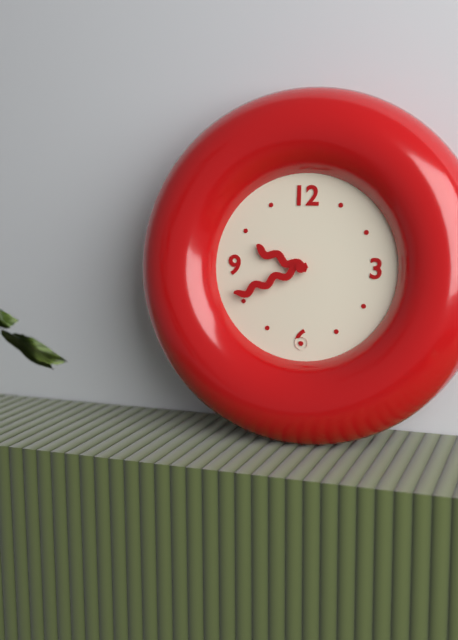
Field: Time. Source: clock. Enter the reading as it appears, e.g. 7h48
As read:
9h41
